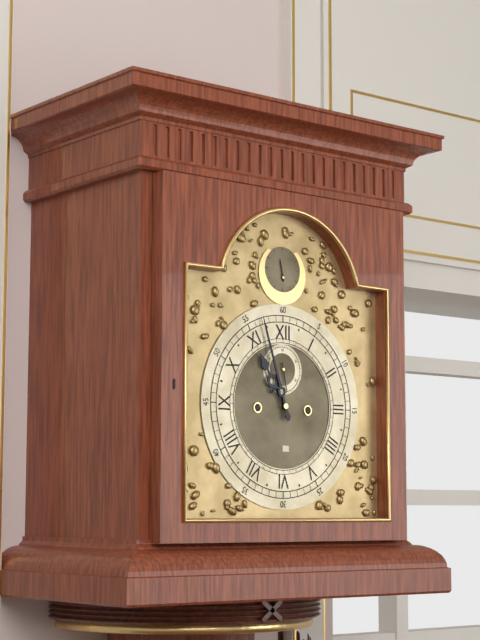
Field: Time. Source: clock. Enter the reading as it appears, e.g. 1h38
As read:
10h57
